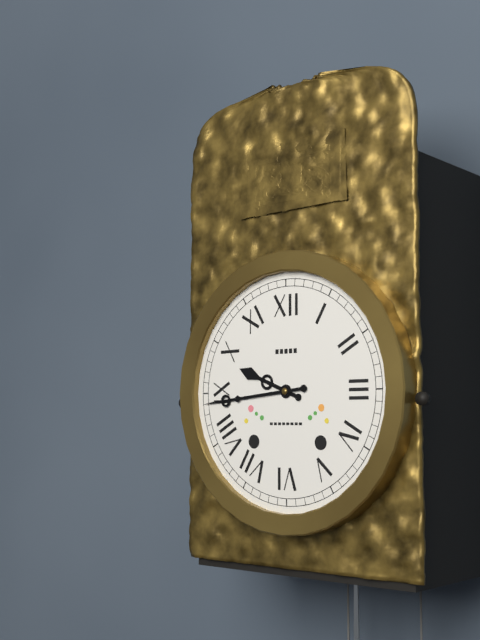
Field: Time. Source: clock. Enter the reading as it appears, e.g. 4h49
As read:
9h44
